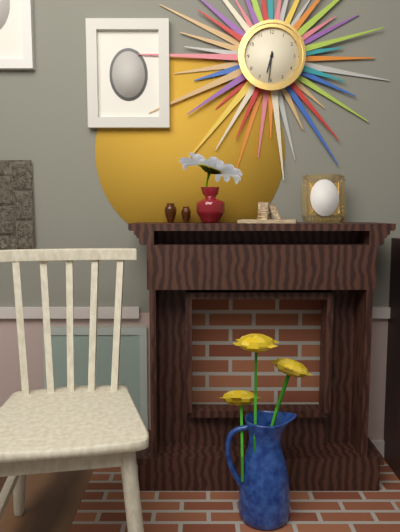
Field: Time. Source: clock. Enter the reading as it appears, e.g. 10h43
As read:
6h31
